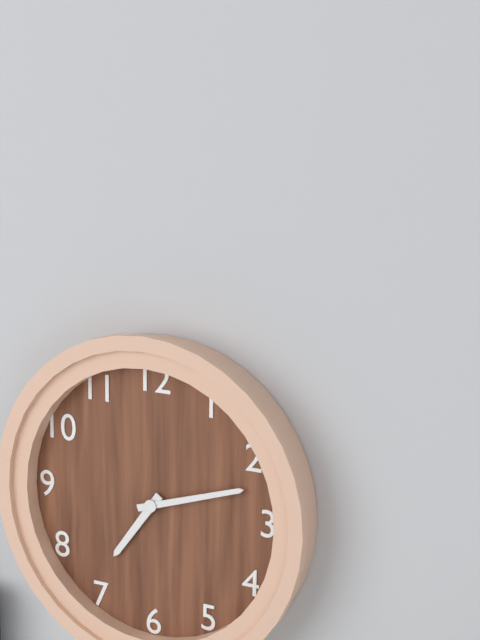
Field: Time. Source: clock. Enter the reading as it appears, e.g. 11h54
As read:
7h12
